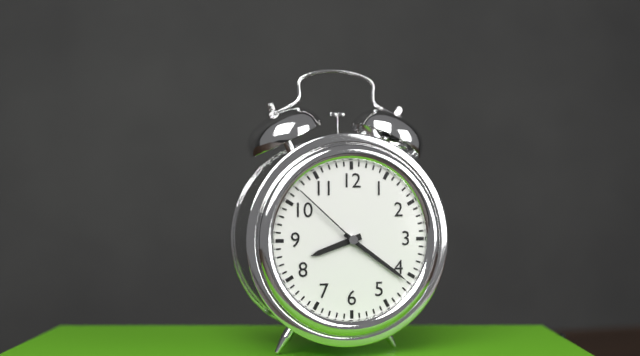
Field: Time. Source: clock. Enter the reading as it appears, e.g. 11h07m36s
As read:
8h21m52s
